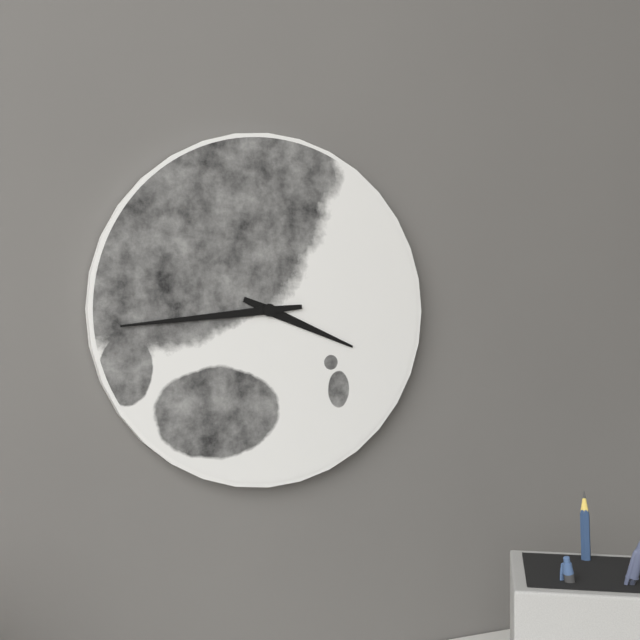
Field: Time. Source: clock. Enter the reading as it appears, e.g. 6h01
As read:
3h44
